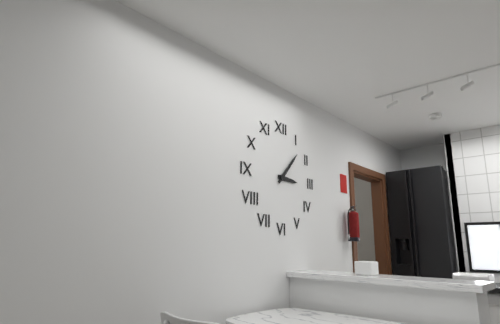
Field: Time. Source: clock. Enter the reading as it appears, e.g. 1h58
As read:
3h07
